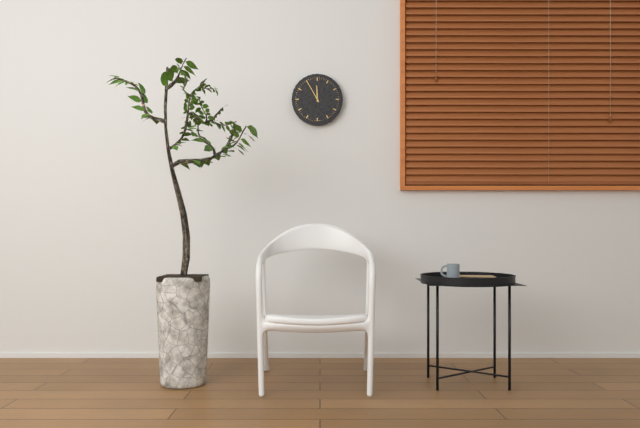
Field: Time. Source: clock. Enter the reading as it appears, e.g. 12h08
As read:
11h55
